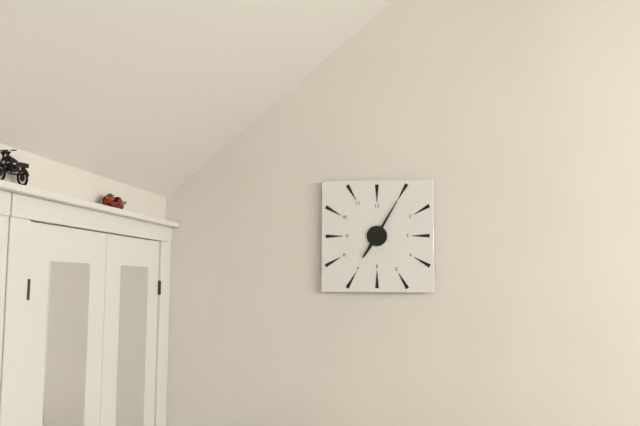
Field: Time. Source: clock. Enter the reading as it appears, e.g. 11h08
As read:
7h05
